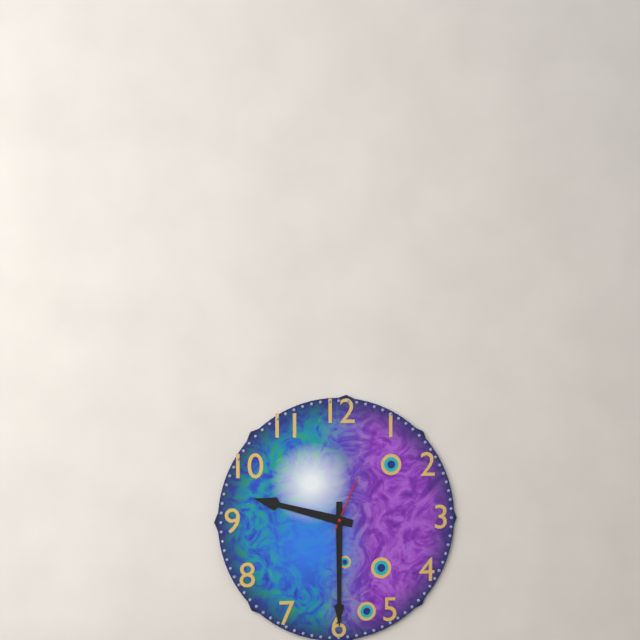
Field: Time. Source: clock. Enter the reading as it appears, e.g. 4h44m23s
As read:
9h30m04s
